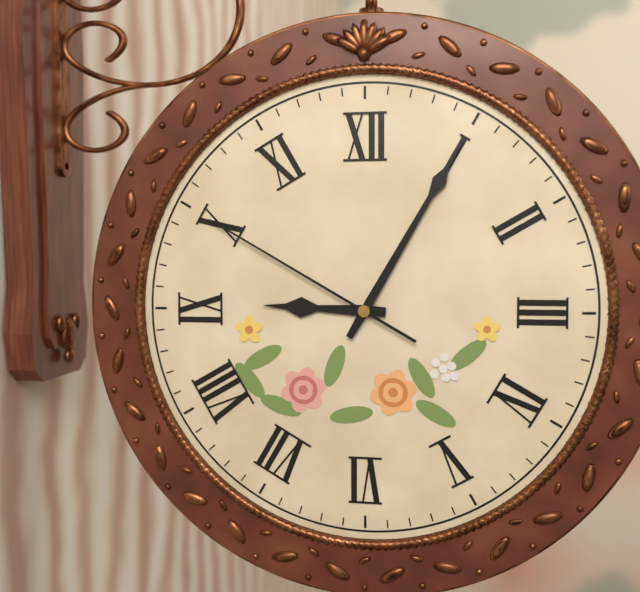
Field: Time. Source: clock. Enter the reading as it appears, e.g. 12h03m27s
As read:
9h05m50s
